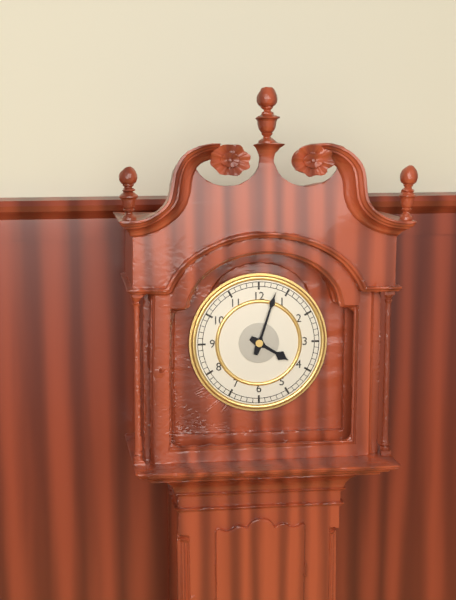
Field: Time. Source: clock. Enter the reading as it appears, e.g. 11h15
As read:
4h03
